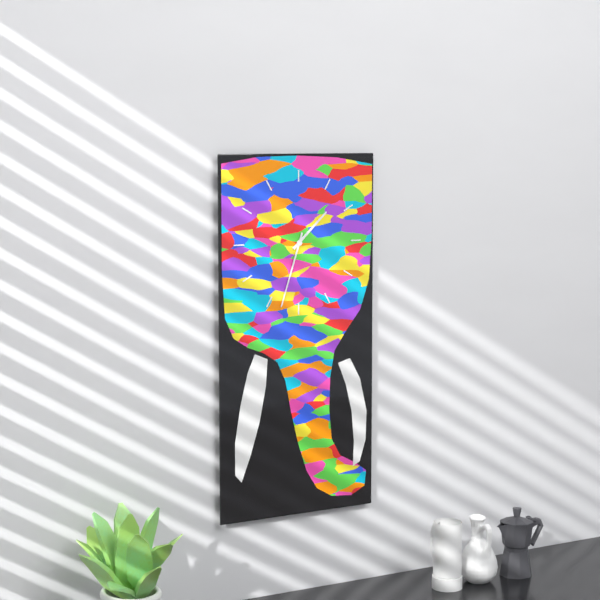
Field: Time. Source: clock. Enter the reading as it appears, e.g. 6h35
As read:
1h33
